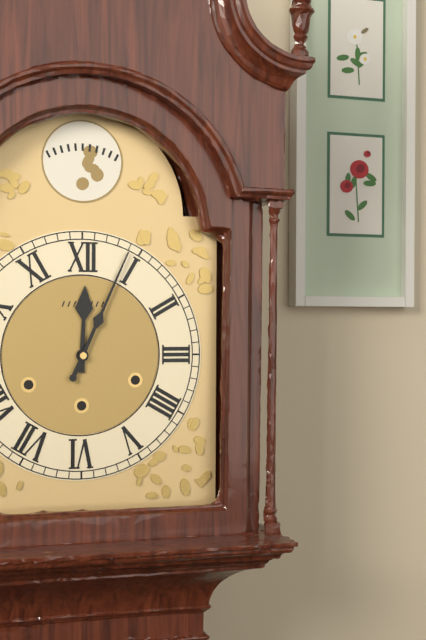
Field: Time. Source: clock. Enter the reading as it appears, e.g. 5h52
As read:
12h04
